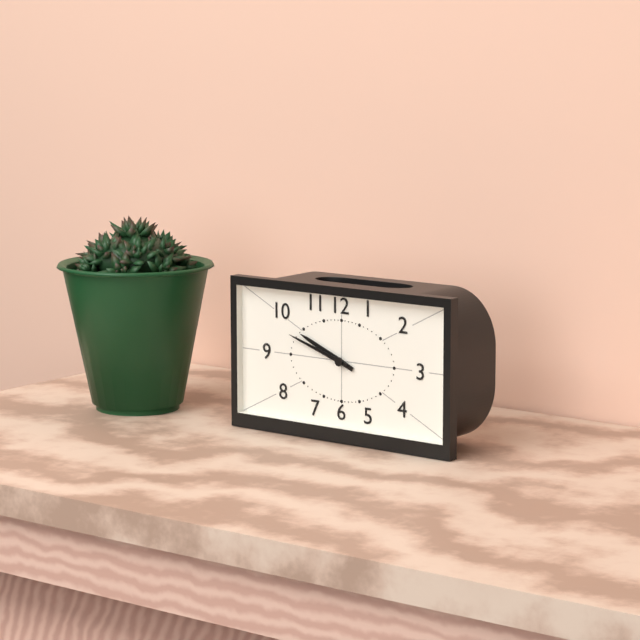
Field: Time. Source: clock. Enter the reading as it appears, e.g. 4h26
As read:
9h48
